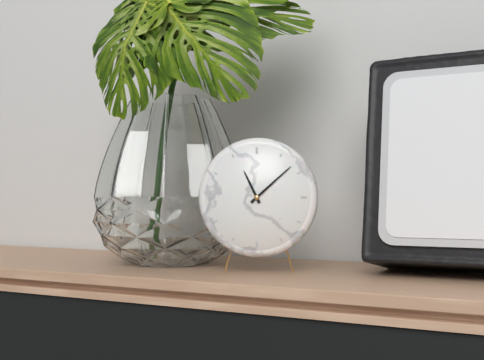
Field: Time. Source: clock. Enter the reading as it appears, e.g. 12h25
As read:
11h08
